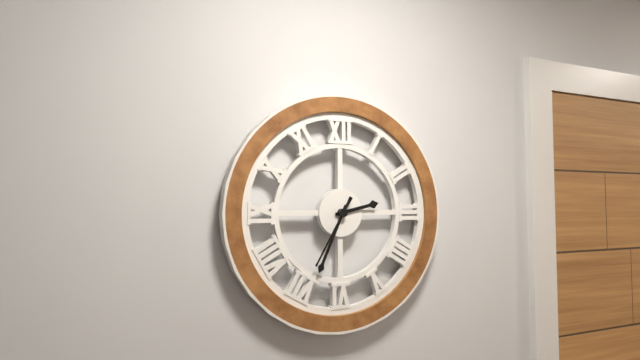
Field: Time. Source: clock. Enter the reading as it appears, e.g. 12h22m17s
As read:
2h34m35s
